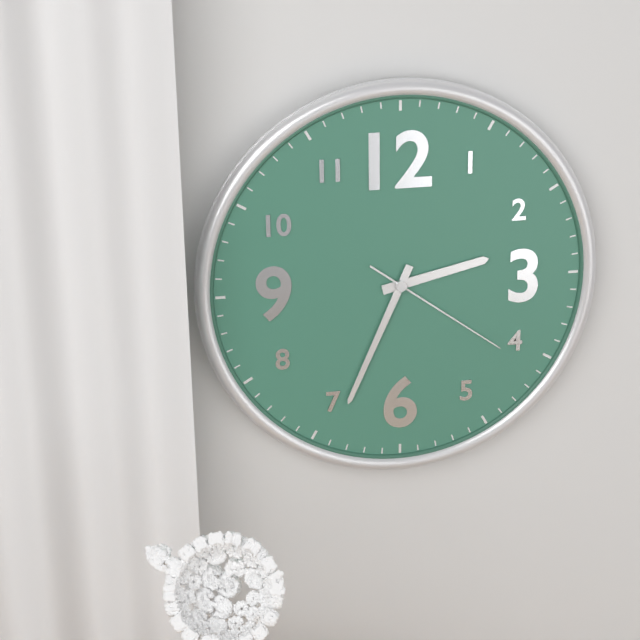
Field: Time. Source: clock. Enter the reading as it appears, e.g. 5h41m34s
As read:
2h34m21s
